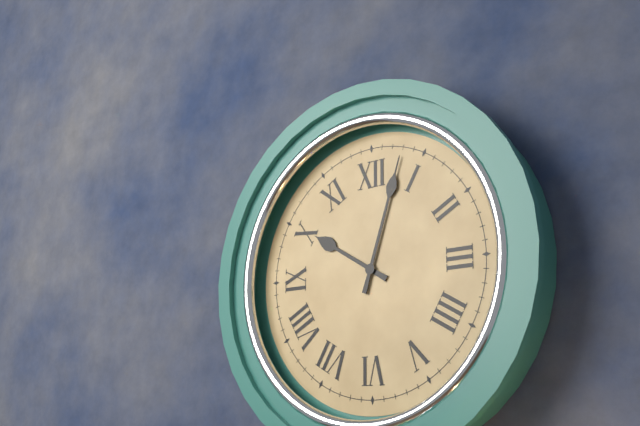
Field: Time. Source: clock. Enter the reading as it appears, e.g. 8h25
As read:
10h03
